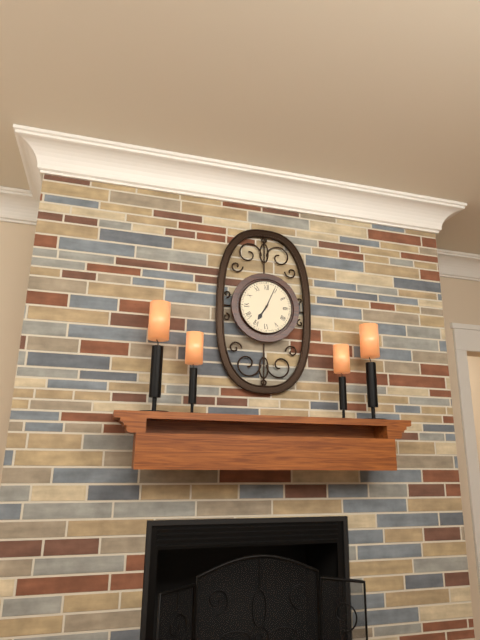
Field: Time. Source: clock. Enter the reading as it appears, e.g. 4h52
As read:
7h04
